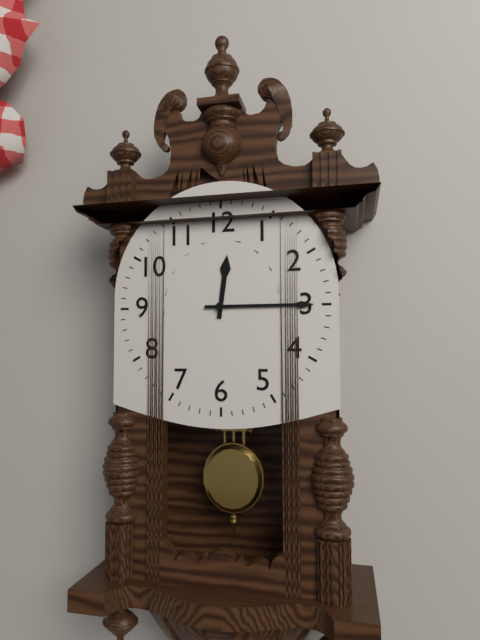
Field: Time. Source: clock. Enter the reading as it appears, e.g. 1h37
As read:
12h15
